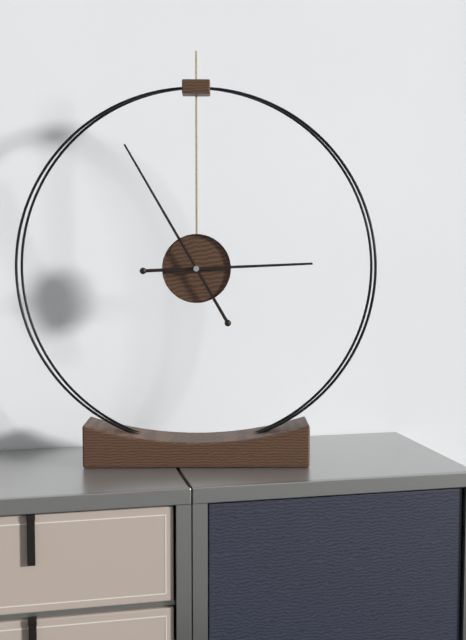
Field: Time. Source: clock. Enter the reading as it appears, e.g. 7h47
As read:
2h55
